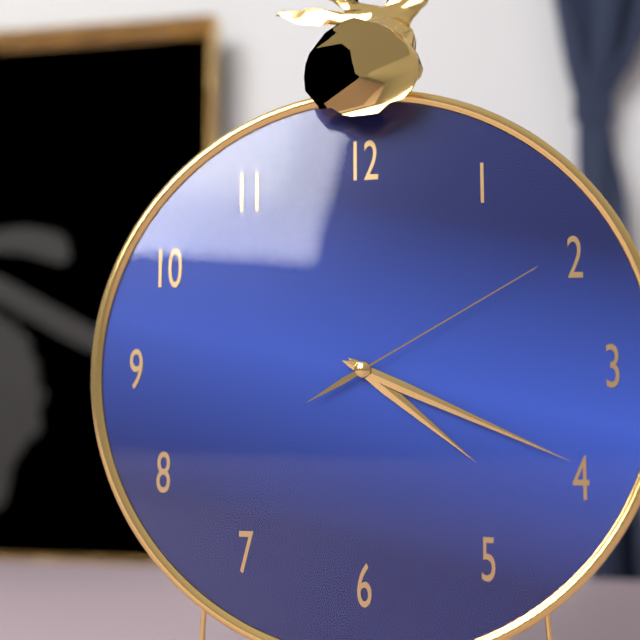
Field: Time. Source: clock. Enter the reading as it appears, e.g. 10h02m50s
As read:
4h19m10s
